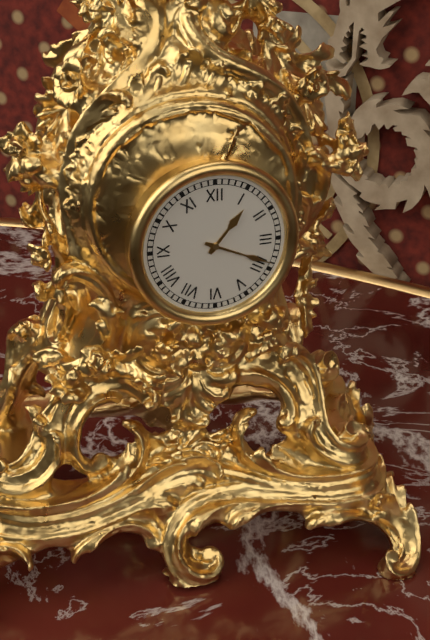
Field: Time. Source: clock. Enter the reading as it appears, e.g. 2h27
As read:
1h19
